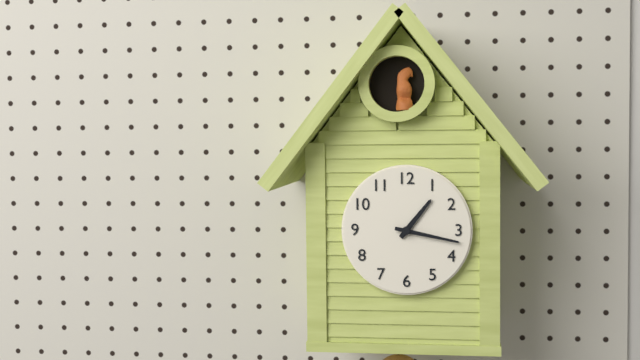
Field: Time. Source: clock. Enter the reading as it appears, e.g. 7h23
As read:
1h17
